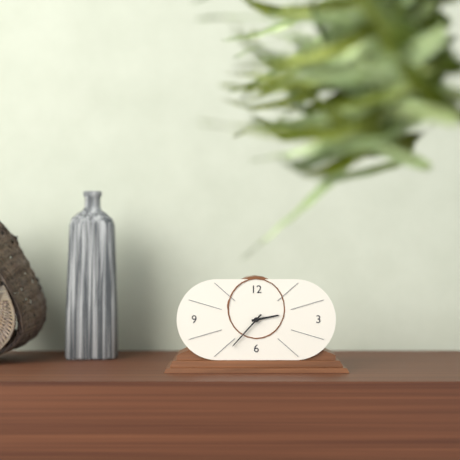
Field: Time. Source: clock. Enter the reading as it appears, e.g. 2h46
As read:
2h37
